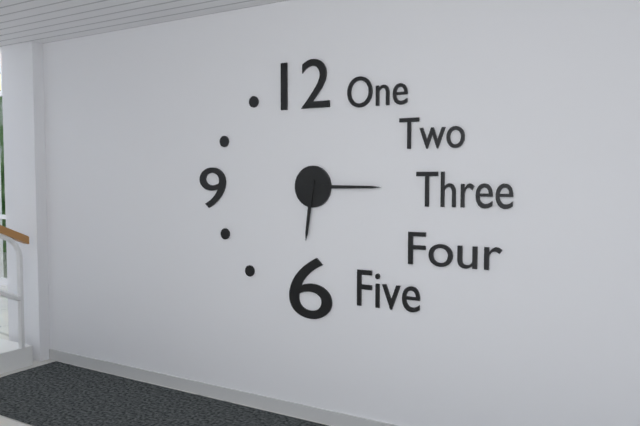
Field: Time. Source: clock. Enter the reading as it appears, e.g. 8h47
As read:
6h15
